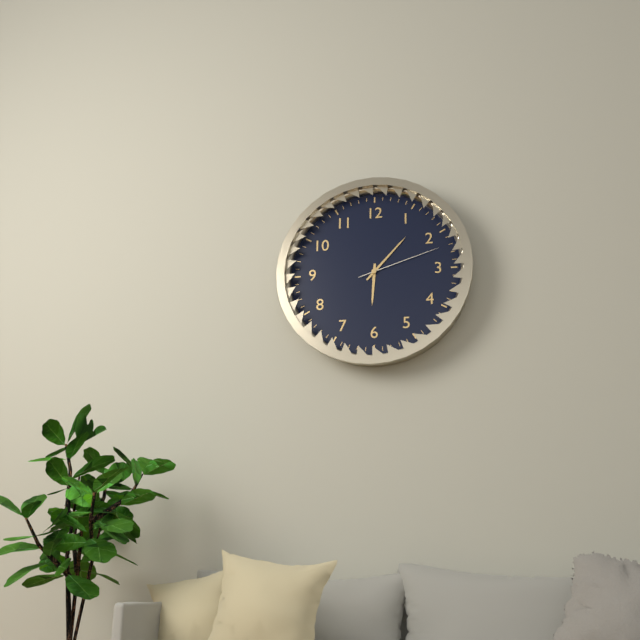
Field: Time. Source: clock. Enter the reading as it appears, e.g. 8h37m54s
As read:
6h07m12s
